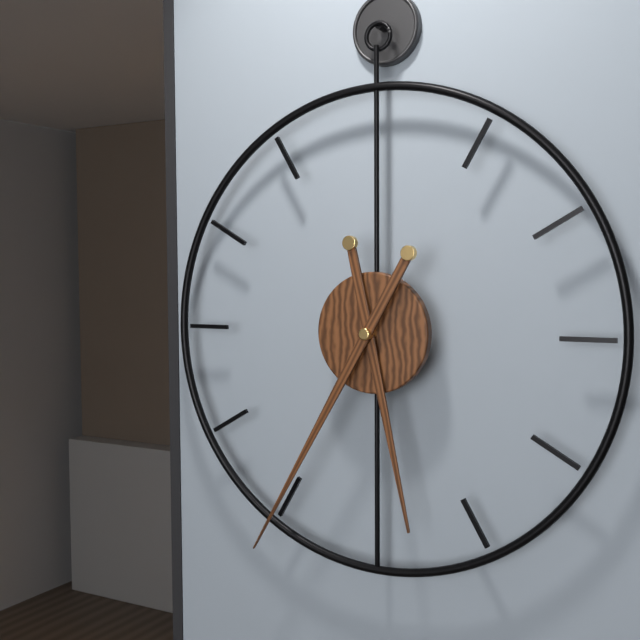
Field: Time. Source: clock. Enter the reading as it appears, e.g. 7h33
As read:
5h35
